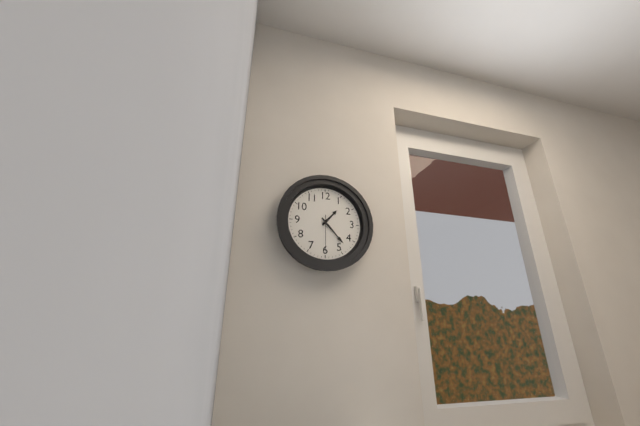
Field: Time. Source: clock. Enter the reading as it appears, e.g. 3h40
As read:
1h23
